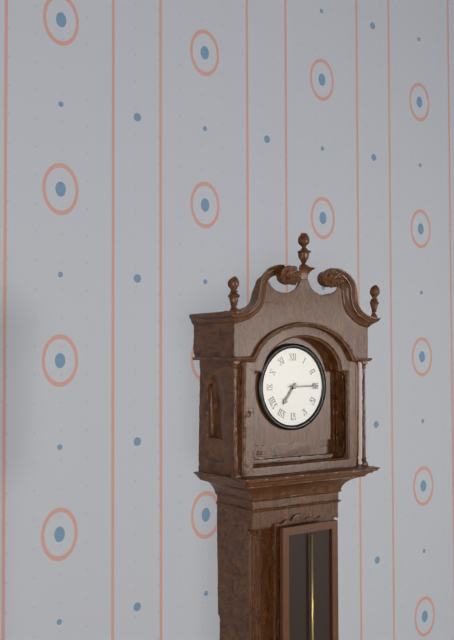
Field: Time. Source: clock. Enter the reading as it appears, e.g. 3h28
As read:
7h15
